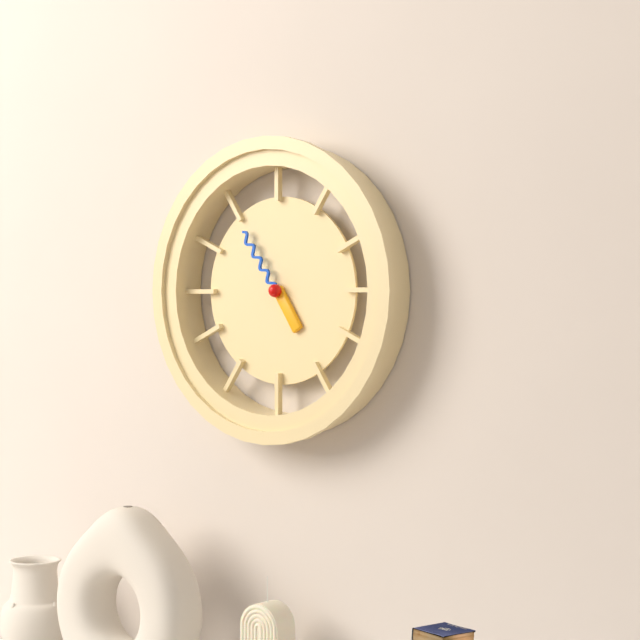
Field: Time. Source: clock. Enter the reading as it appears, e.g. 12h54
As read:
4h54
